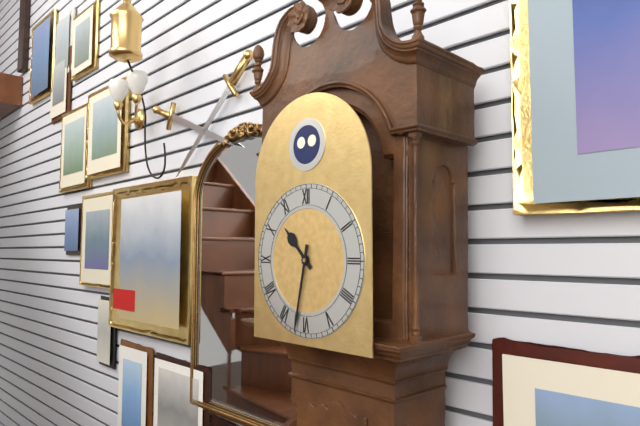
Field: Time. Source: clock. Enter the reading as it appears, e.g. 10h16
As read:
10h32
